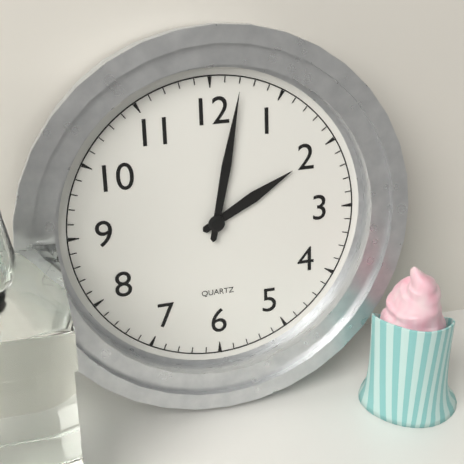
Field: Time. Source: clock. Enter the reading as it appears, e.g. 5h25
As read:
2h02
